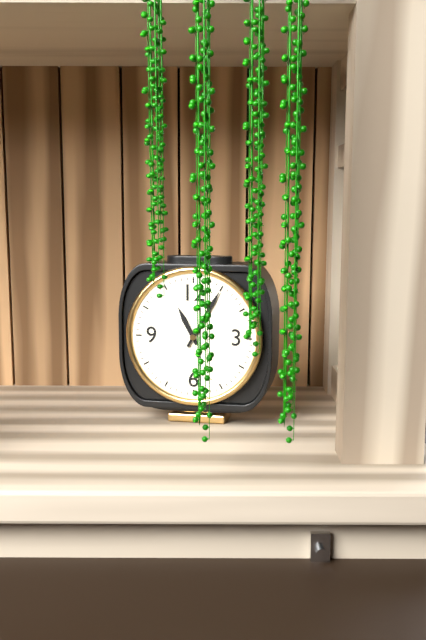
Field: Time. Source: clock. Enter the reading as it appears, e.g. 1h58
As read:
11h05
